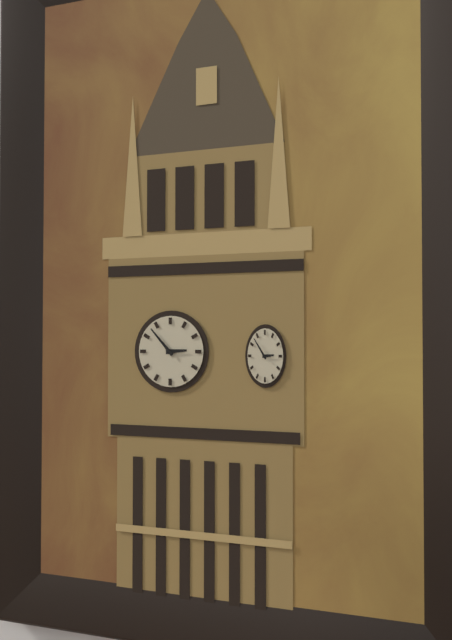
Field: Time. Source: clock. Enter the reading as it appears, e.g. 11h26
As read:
2h53
